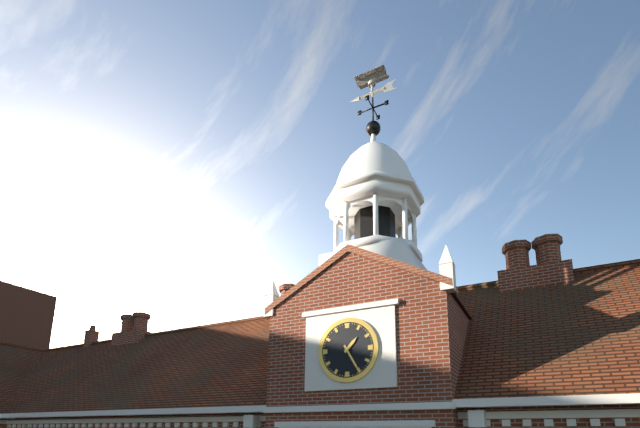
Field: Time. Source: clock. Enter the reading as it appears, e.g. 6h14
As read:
1h25
